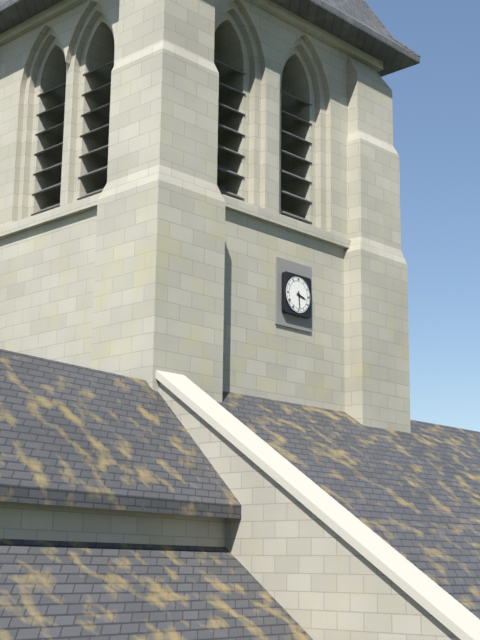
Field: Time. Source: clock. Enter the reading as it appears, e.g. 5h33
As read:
3h29
